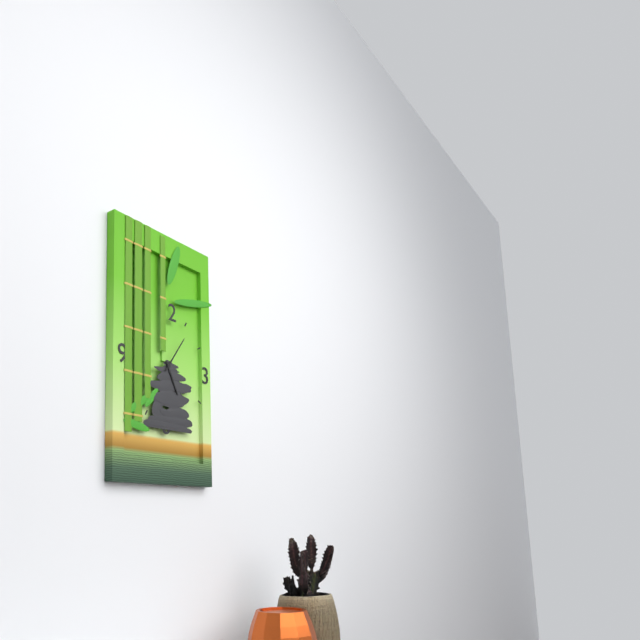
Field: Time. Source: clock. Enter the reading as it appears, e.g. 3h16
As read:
5h06
